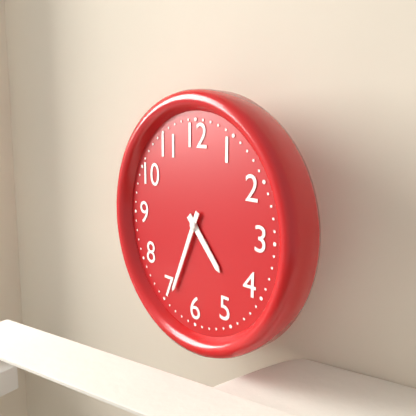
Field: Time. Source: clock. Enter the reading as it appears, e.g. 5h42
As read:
4h34
